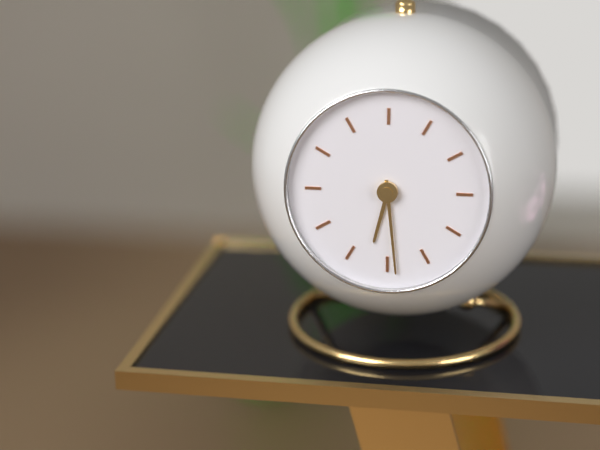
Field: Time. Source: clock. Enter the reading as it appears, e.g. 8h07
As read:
6h29
